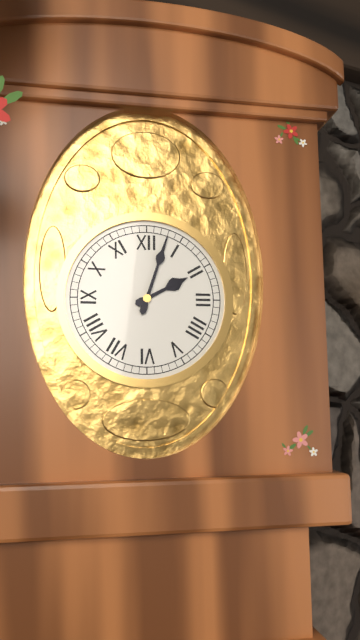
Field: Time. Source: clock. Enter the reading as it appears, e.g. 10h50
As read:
2h03
